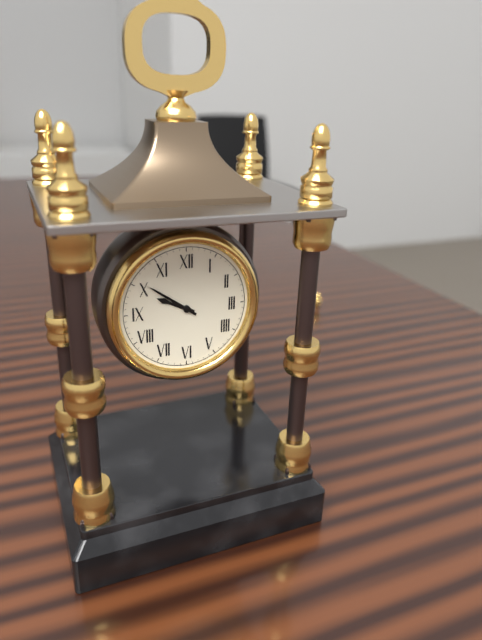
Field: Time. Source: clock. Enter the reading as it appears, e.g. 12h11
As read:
9h51
